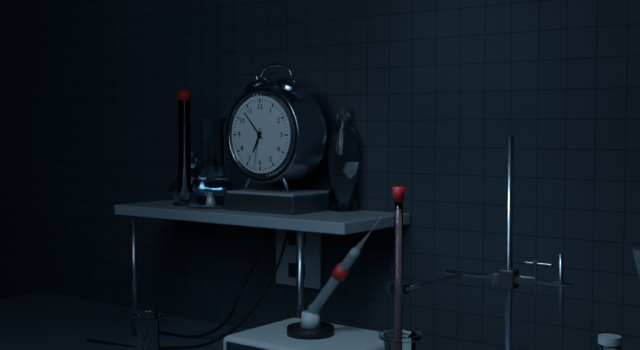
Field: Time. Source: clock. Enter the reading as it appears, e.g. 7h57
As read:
6h53
